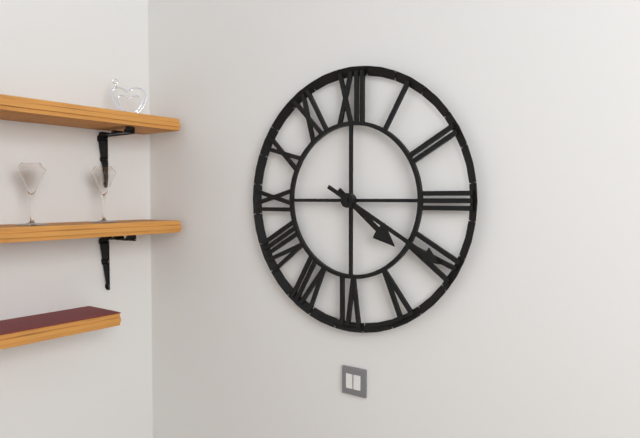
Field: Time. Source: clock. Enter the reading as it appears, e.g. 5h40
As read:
4h20
